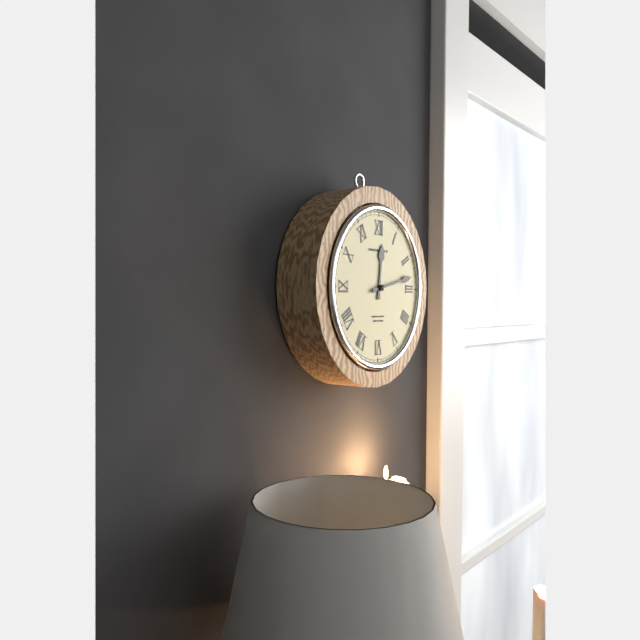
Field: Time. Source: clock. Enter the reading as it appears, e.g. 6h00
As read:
12h13
